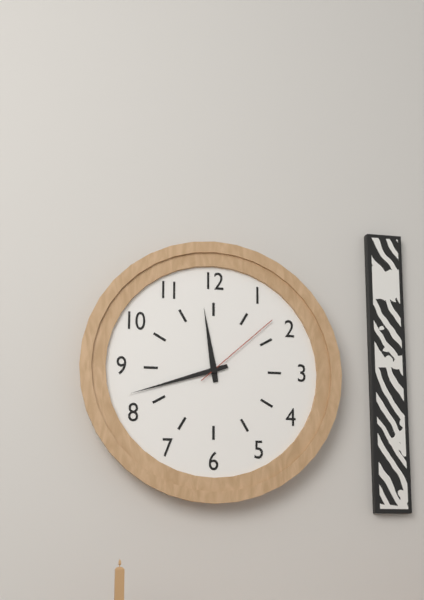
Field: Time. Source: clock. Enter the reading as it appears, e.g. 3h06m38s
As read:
11h42m08s
